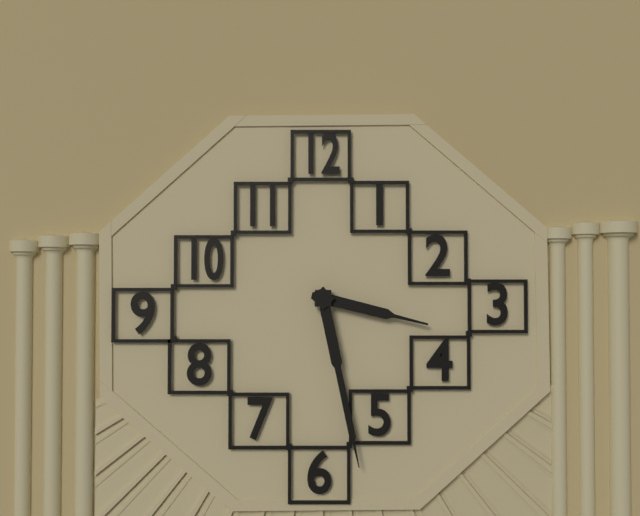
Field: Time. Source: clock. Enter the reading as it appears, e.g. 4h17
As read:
3h28
